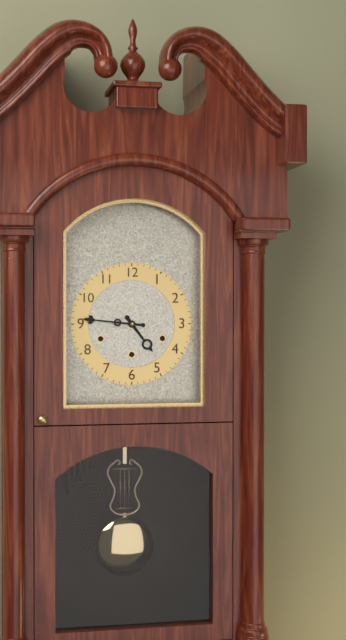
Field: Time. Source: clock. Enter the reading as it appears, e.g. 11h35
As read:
4h46
